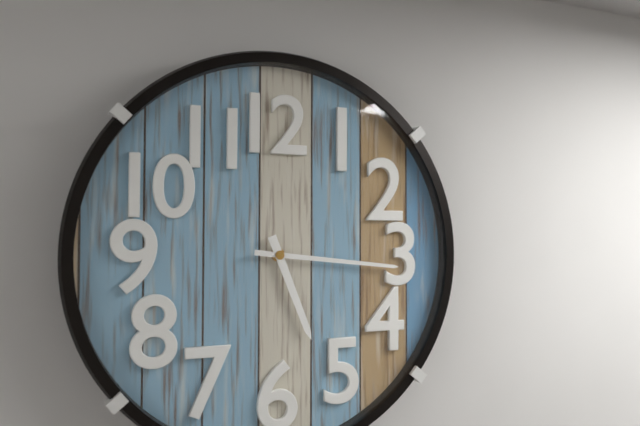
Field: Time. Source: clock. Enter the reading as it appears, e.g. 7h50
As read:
5h16
